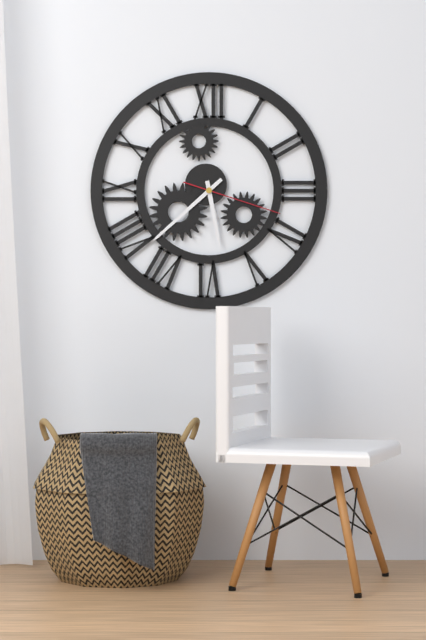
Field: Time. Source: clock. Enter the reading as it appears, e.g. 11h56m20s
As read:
5h38m18s
